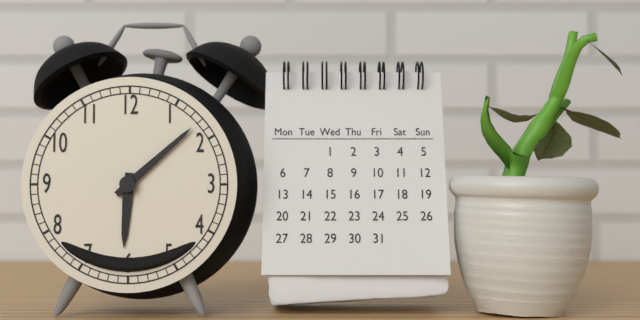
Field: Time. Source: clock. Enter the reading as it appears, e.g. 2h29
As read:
6h08
